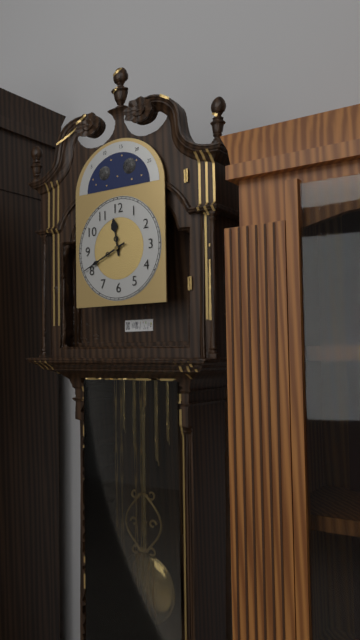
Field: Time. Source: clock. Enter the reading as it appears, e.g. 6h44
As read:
11h41
